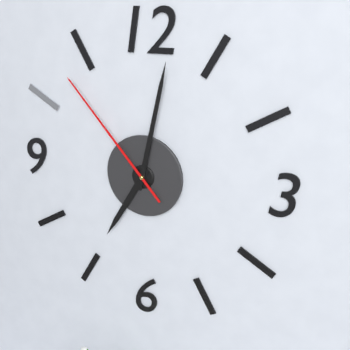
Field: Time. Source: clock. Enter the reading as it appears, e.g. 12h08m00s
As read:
7h02m53s
